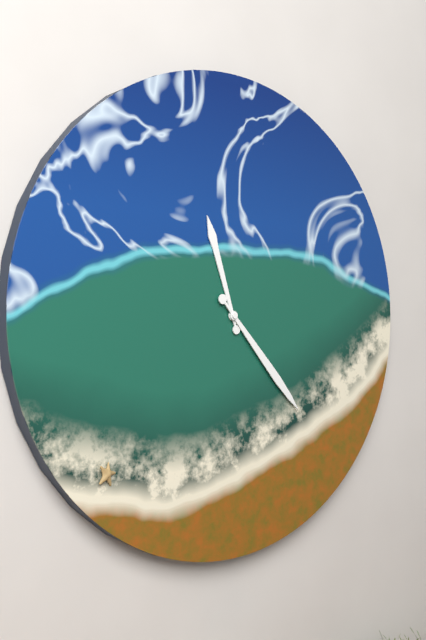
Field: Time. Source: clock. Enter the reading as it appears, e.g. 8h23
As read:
11h23
